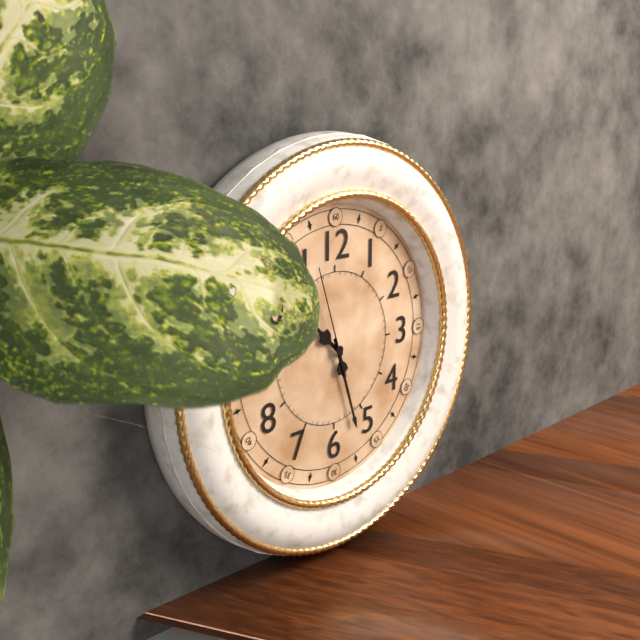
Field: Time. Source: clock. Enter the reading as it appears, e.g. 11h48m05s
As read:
10h27m57s
